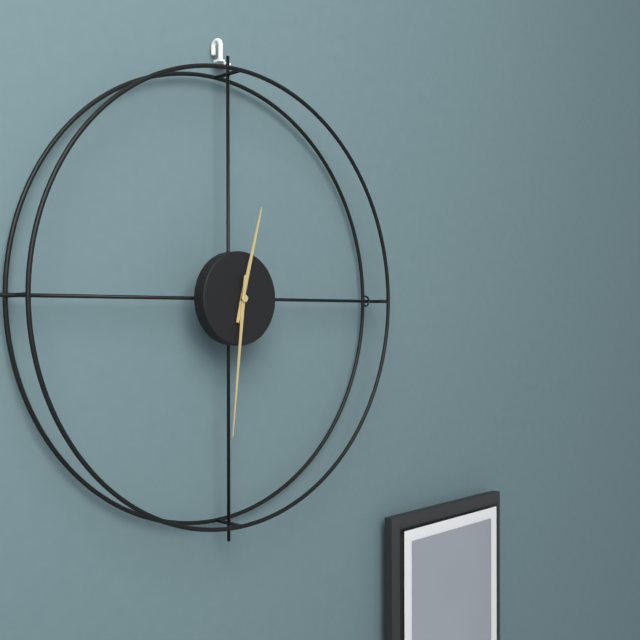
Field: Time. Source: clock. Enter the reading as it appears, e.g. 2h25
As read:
12h31
